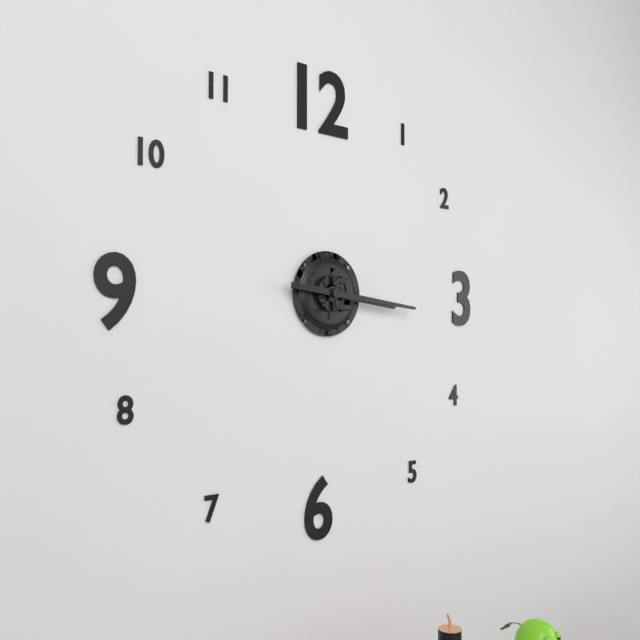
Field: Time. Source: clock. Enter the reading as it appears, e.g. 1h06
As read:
3h16
